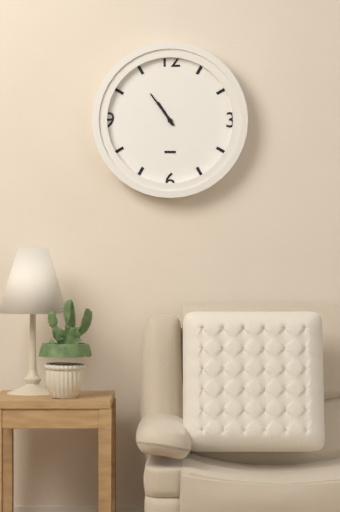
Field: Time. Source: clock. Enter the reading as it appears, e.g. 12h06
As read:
10h54
